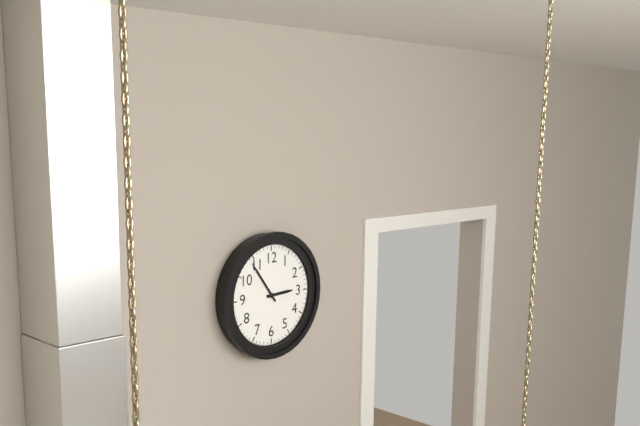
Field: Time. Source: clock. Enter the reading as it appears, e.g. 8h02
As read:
2h54
